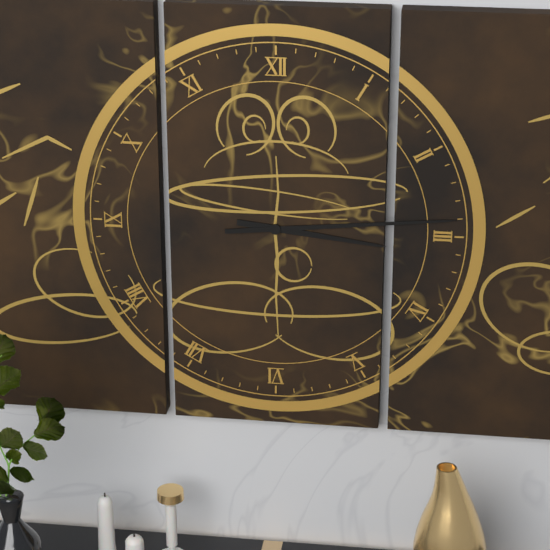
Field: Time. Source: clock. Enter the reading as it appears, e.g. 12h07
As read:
3h14
